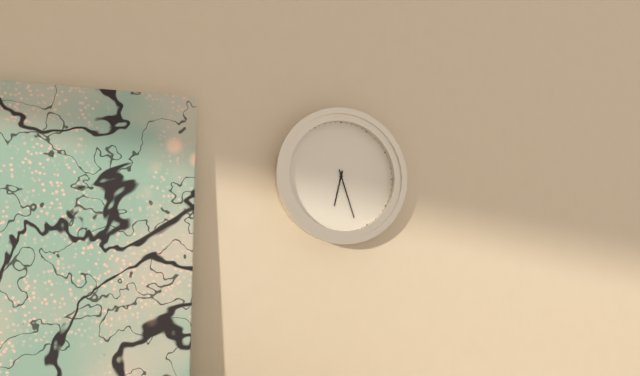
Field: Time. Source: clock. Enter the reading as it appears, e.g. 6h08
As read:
6h27
